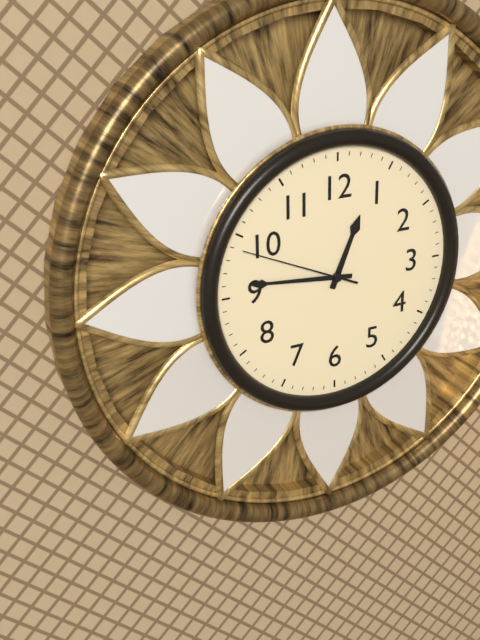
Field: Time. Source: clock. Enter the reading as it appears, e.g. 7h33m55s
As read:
12h46m49s
